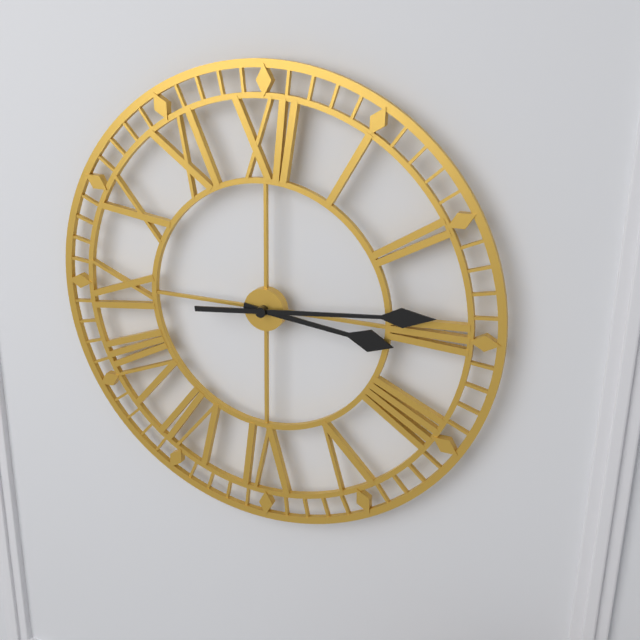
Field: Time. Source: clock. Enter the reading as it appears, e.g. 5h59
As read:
3h14
